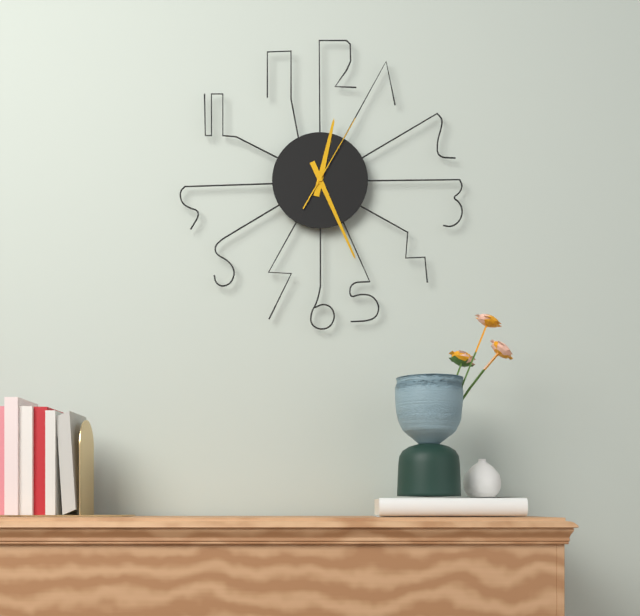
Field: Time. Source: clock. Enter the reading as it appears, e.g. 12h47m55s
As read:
12h26m05s
